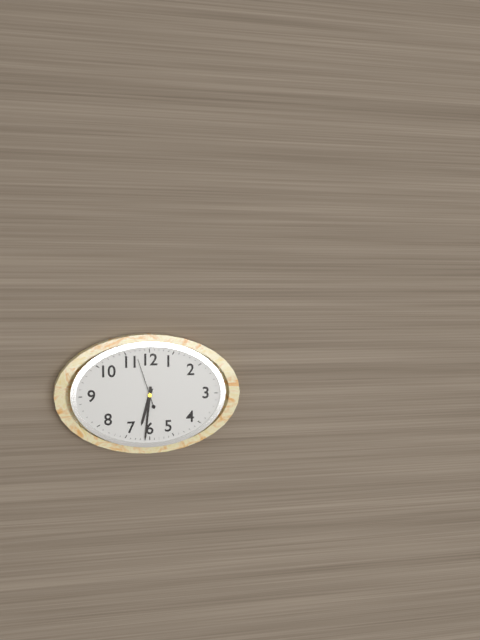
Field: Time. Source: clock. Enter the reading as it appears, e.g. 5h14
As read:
6h31
